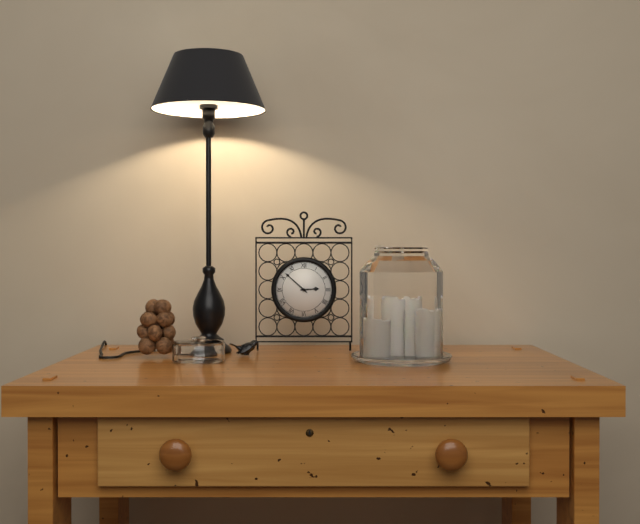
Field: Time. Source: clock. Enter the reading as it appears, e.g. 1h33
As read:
2h52
